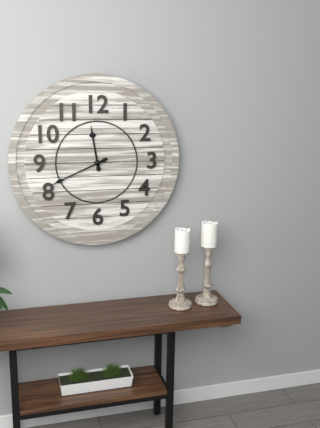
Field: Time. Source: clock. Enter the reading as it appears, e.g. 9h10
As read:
11h41
